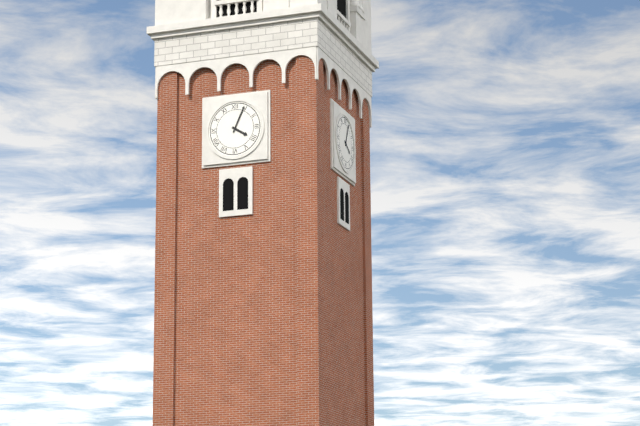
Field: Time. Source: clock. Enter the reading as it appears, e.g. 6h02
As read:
4h04
